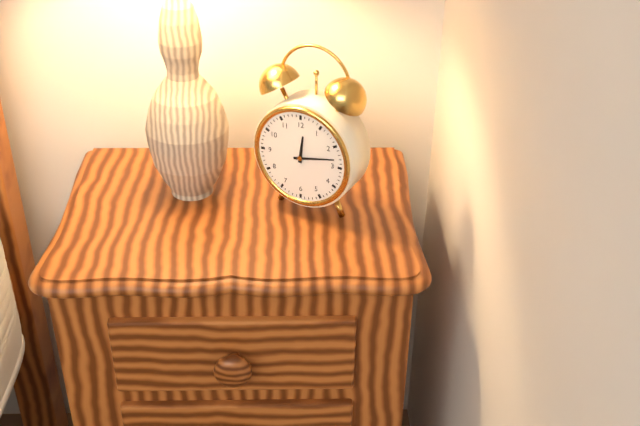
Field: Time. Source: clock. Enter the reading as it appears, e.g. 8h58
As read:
12h13
